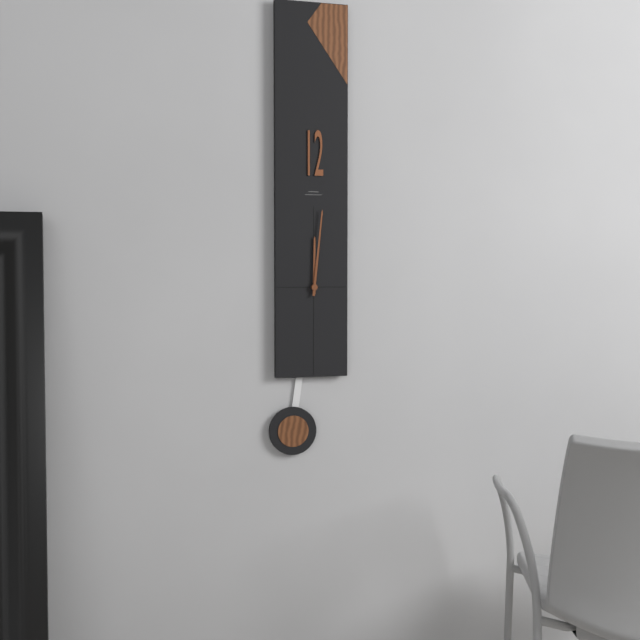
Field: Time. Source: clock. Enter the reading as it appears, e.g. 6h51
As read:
12h01
